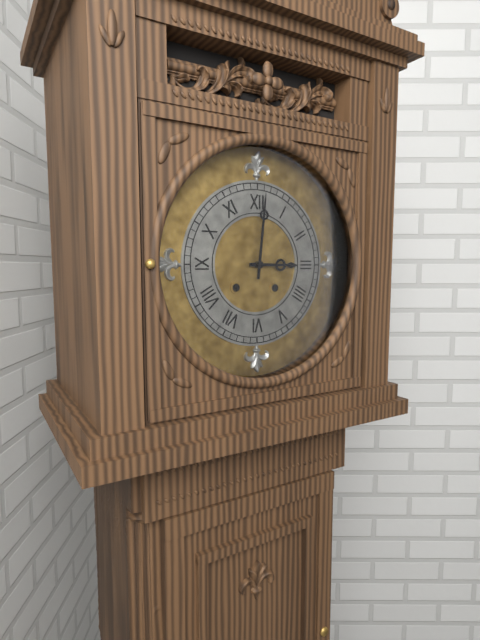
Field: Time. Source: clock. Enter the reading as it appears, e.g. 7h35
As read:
3h01
